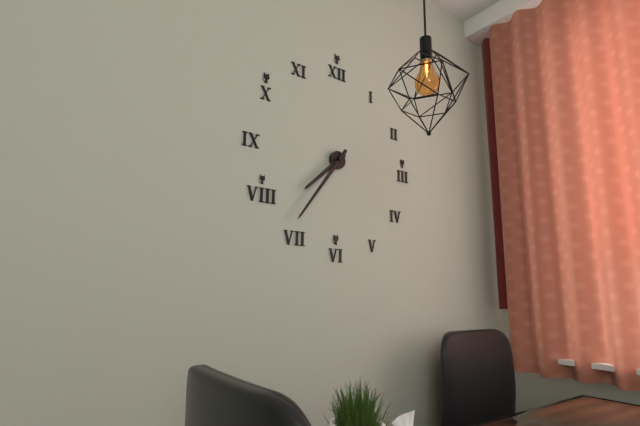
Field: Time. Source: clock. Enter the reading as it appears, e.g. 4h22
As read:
7h36
